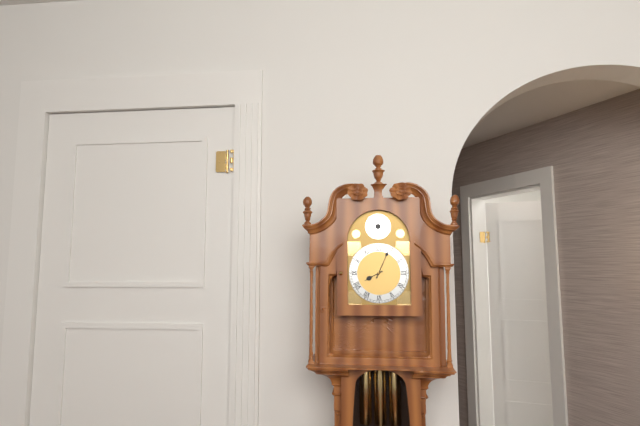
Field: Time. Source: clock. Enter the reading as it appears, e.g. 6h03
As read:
8h04
